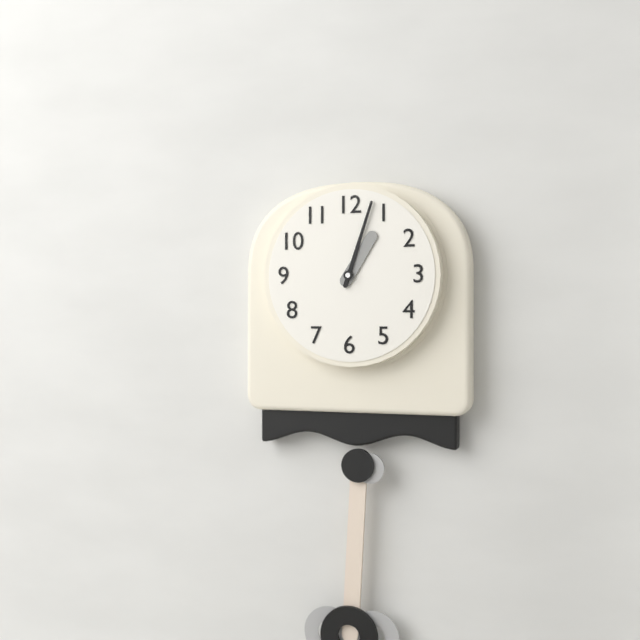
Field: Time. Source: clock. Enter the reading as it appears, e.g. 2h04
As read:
1h03
